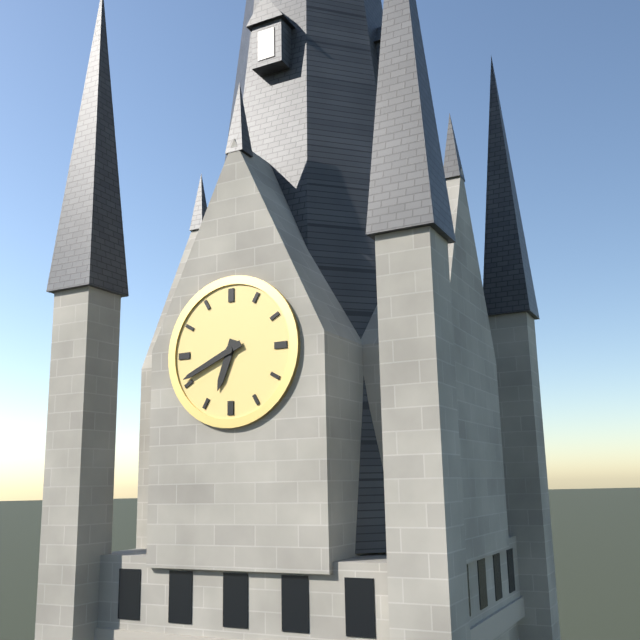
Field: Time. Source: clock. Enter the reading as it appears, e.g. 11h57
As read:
6h41
